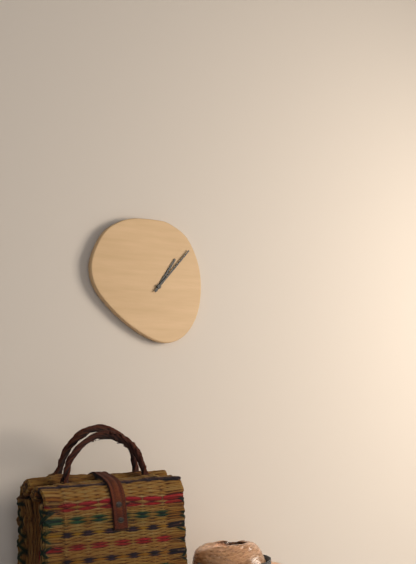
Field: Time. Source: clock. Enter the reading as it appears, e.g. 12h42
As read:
1h07
